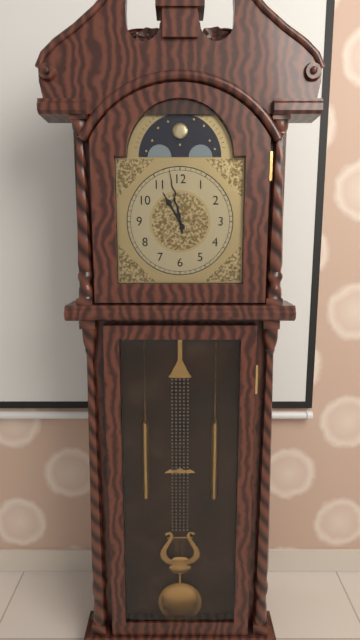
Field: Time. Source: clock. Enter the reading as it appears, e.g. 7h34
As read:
10h58
